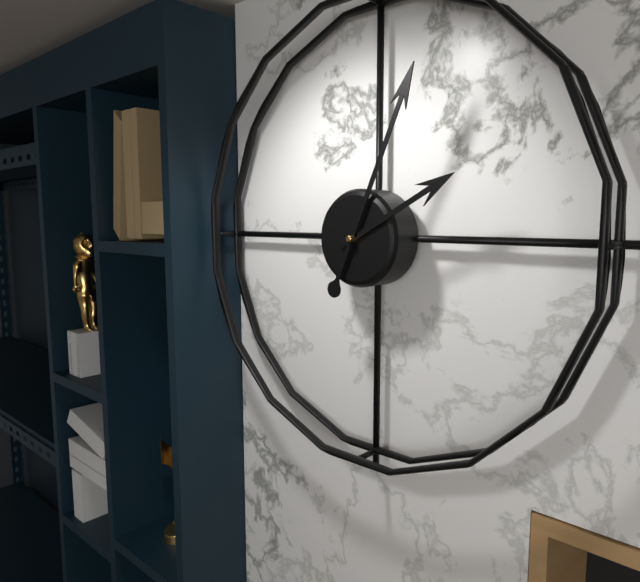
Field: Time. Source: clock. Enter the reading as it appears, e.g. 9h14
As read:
2h04
